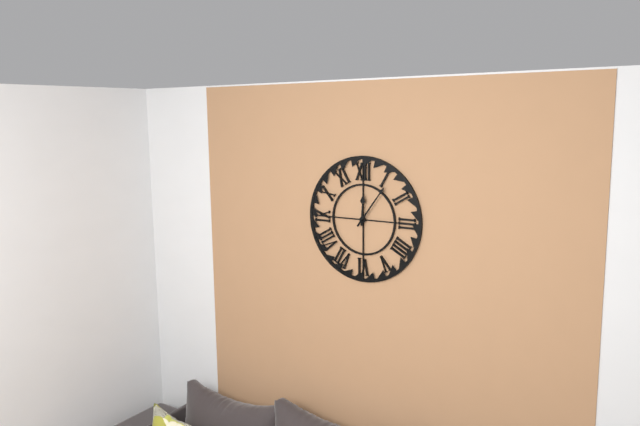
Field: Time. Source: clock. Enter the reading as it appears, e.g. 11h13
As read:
12h06
